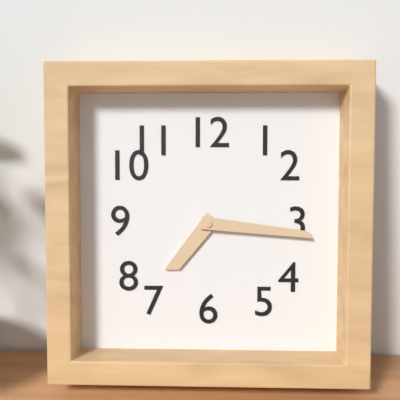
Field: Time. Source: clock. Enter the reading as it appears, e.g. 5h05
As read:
7h16
